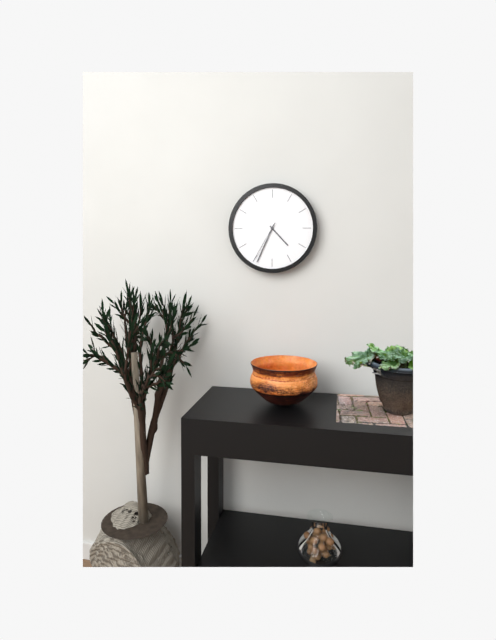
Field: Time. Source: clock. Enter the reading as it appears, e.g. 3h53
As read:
4h34
